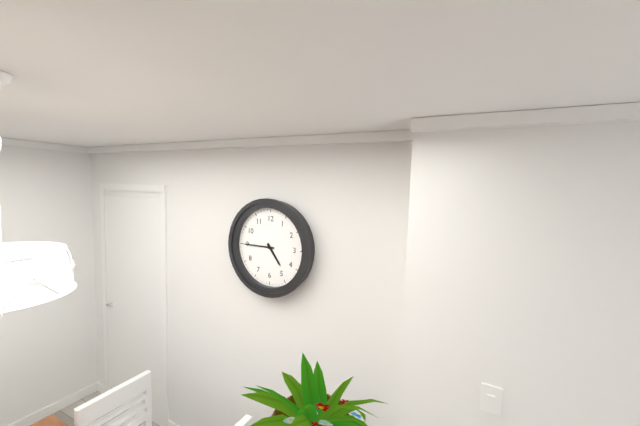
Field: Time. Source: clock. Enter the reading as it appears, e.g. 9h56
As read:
4h45
